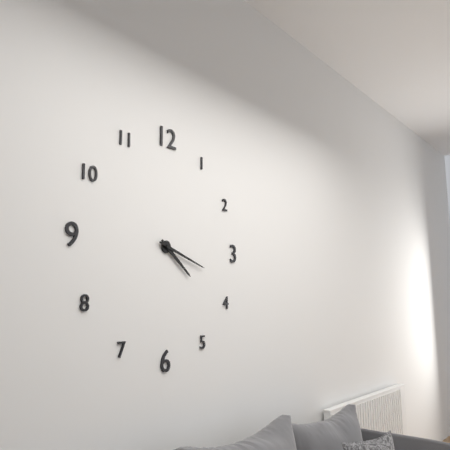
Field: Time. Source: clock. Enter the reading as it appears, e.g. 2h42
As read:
4h18
